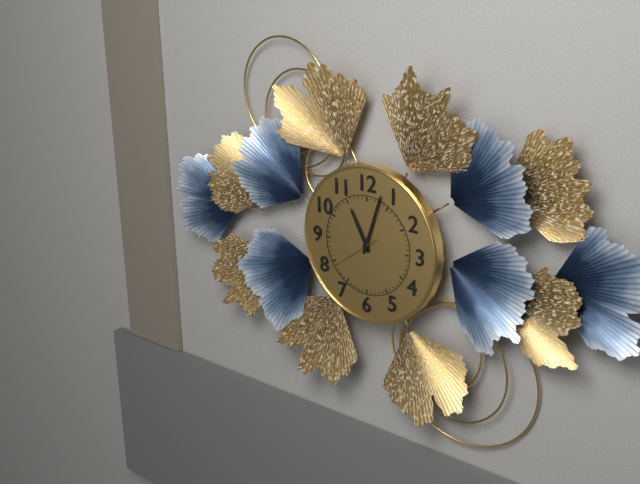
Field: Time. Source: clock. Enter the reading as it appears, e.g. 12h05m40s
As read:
11h03m39s
